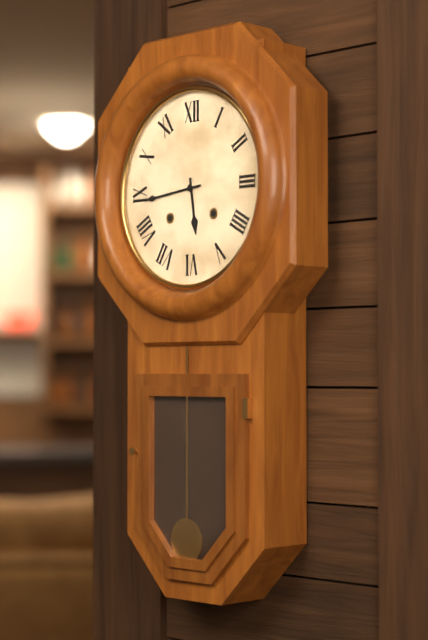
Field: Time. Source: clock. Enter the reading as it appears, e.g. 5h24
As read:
5h44
